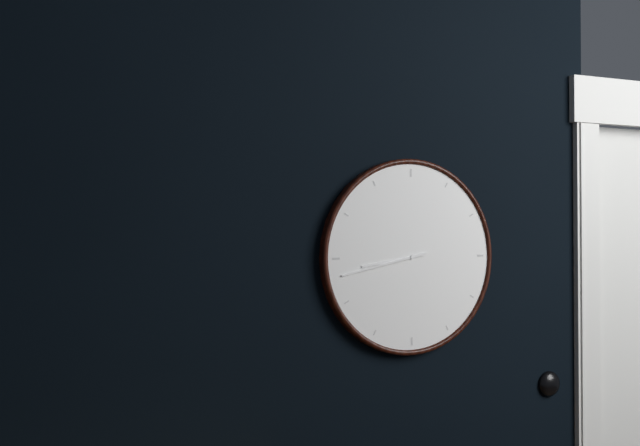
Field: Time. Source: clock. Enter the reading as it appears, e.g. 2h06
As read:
8h43
